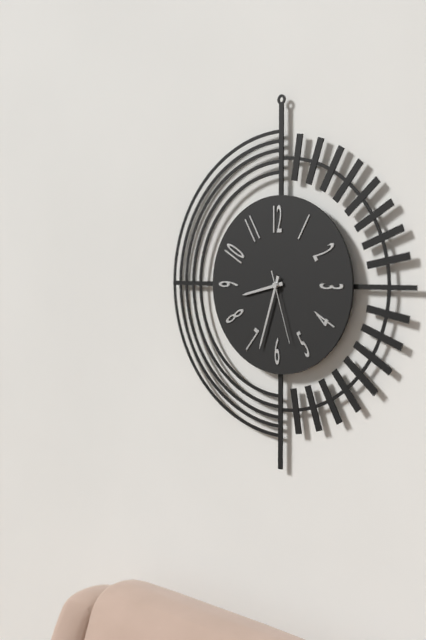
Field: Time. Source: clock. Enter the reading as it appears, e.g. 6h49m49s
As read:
8h33m27s
